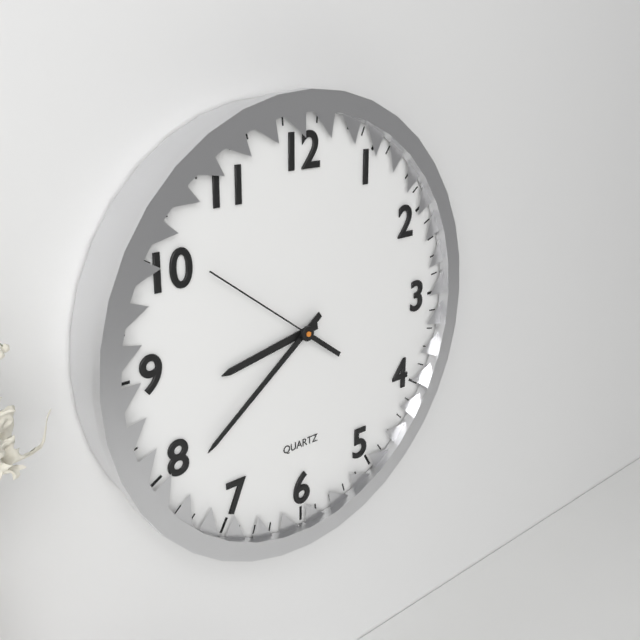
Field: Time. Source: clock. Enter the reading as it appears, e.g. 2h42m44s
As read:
8h39m51s
